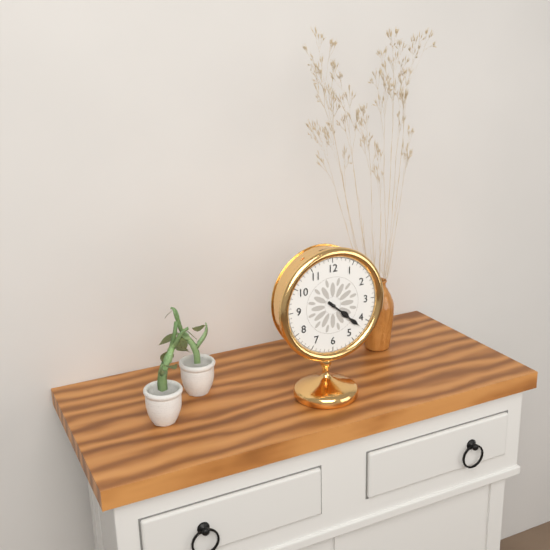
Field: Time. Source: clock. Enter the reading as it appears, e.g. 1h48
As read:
4h22
